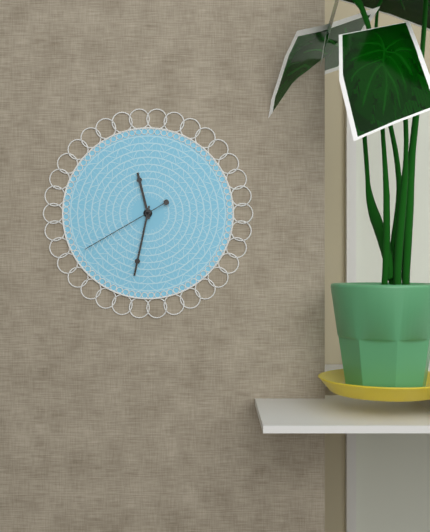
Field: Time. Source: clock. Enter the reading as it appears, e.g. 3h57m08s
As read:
11h32m40s
